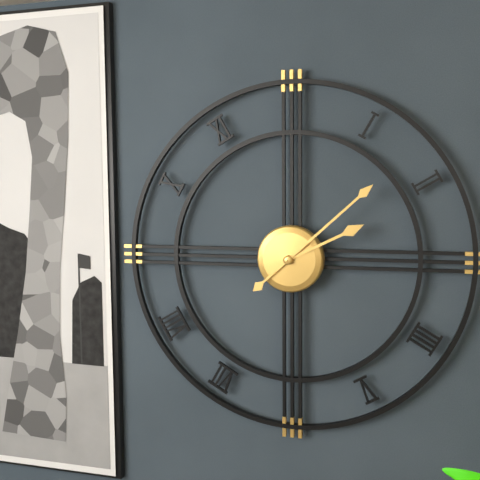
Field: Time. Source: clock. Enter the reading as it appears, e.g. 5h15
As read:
2h08
